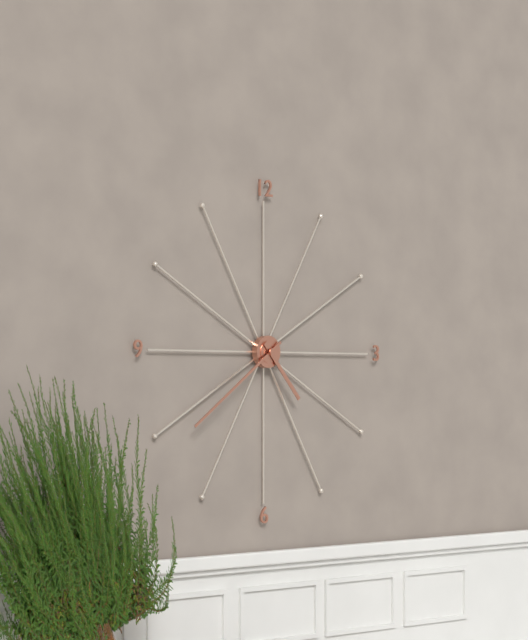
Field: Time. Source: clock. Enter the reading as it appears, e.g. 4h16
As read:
4h39
